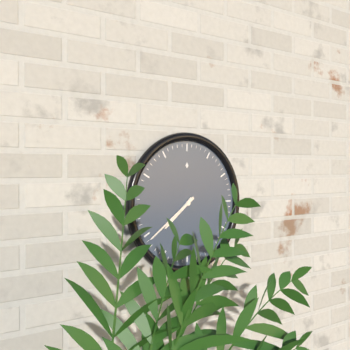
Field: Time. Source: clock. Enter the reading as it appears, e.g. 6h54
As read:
7h39
